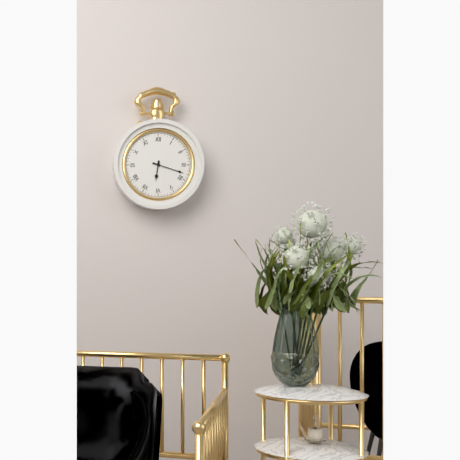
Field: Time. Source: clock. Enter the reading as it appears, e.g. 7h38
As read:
6h18
